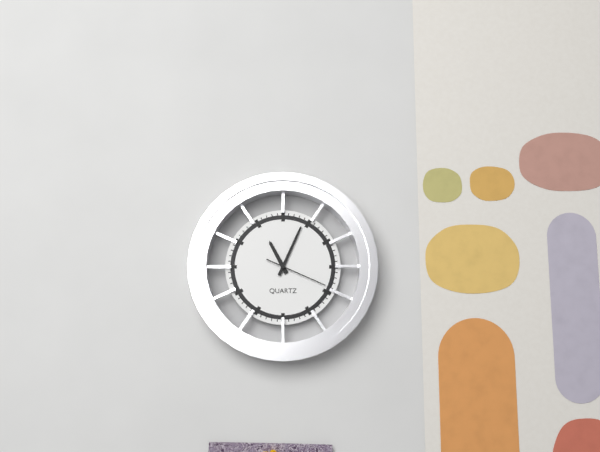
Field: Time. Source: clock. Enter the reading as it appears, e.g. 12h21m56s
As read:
11h04m19s
